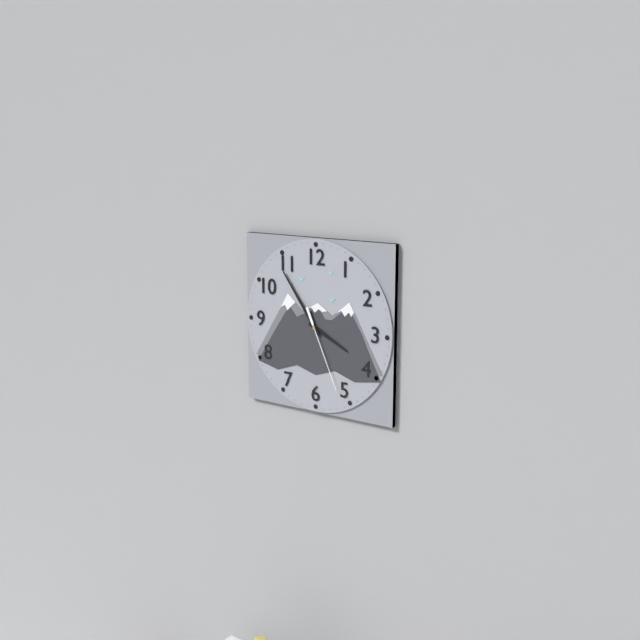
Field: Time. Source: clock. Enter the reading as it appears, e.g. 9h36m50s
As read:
3h54m26s
